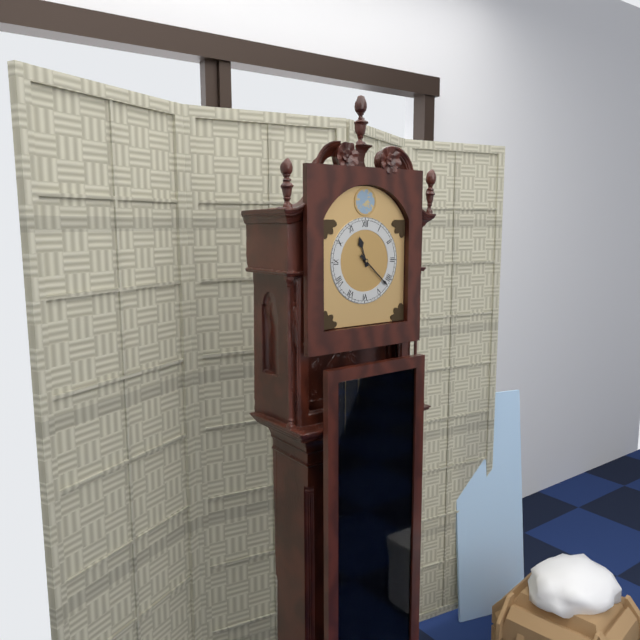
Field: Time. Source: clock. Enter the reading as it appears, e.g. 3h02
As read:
11h22
